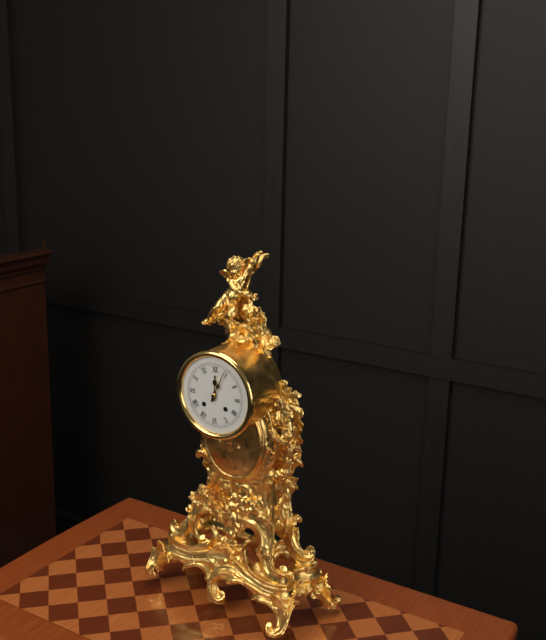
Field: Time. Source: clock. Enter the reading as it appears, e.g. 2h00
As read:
12h04
